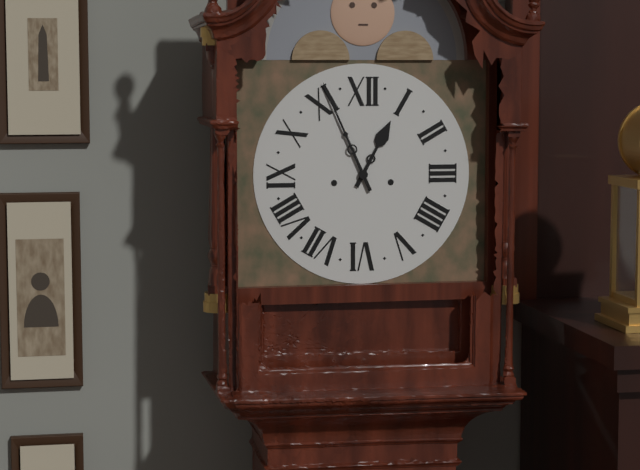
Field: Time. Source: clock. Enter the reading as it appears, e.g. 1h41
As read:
12h56
